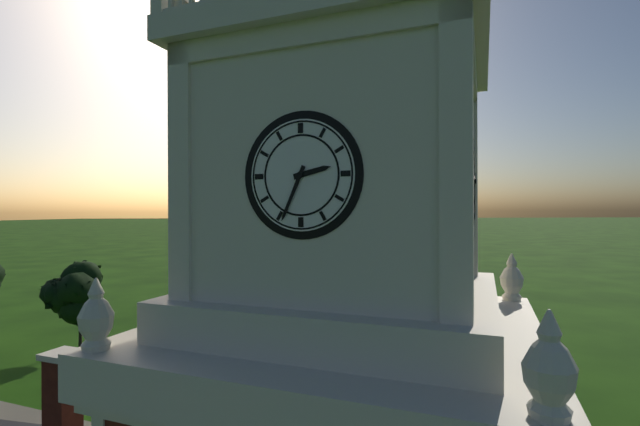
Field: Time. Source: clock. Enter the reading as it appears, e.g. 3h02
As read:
2h34
